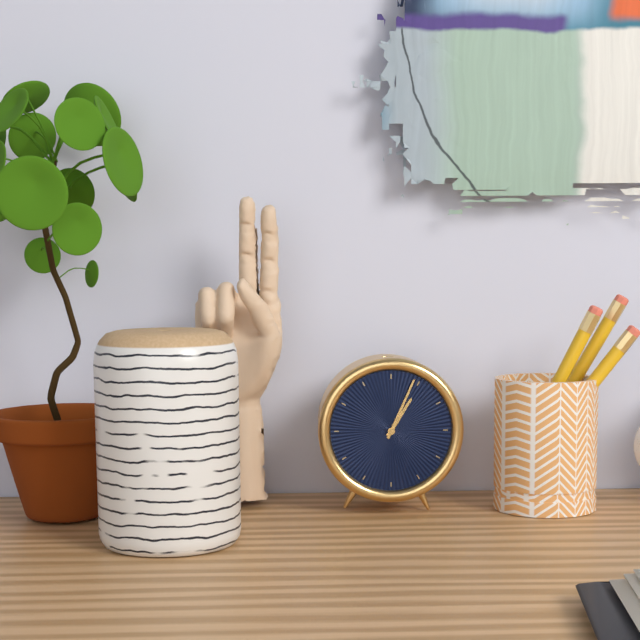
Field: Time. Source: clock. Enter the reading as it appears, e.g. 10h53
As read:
1h04
